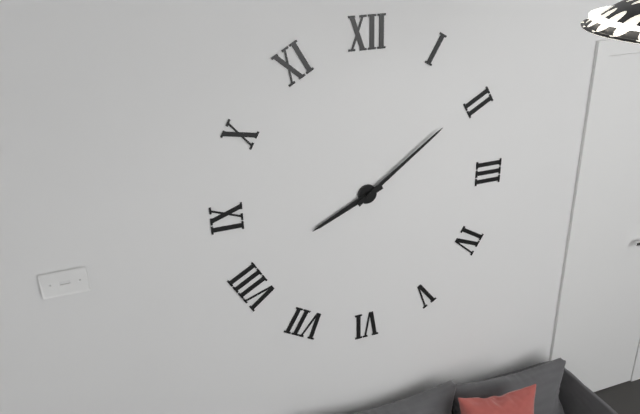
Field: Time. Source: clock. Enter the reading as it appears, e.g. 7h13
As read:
8h09
